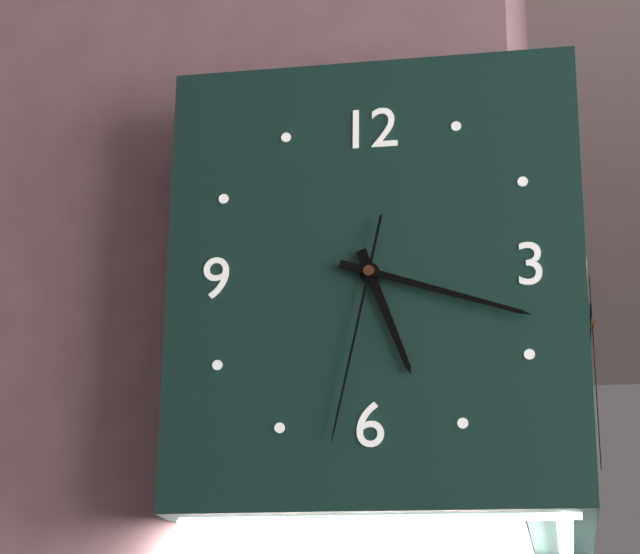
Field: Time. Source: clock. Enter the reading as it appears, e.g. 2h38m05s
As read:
5h18m32s
